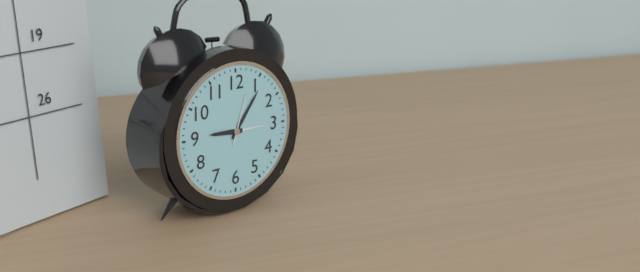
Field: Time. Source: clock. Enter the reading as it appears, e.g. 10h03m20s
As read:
9h06m03s
